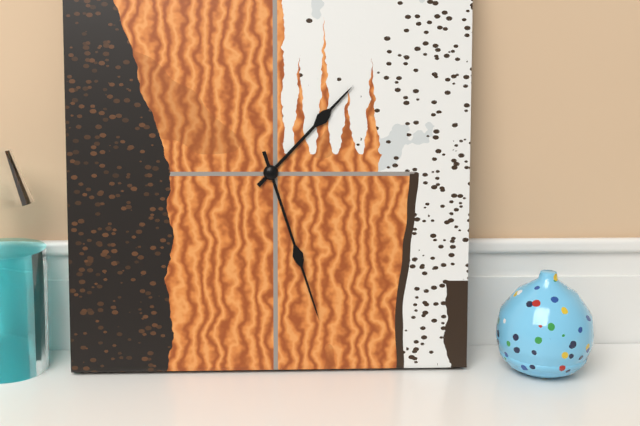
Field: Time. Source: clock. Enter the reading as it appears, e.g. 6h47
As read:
1h27
